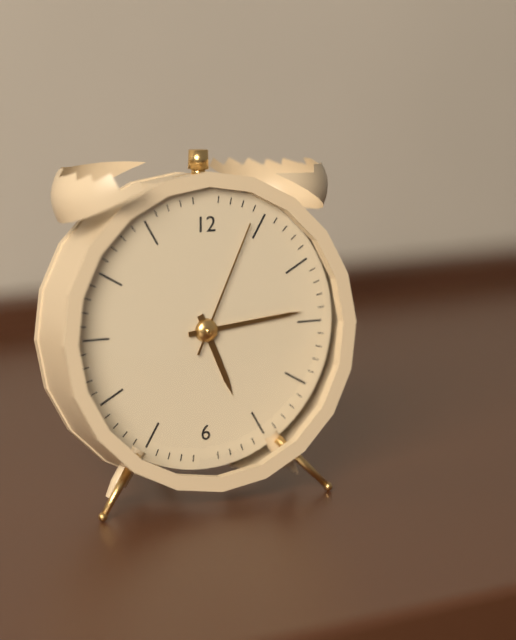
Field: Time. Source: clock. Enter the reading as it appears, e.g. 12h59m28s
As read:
5h14m04s
